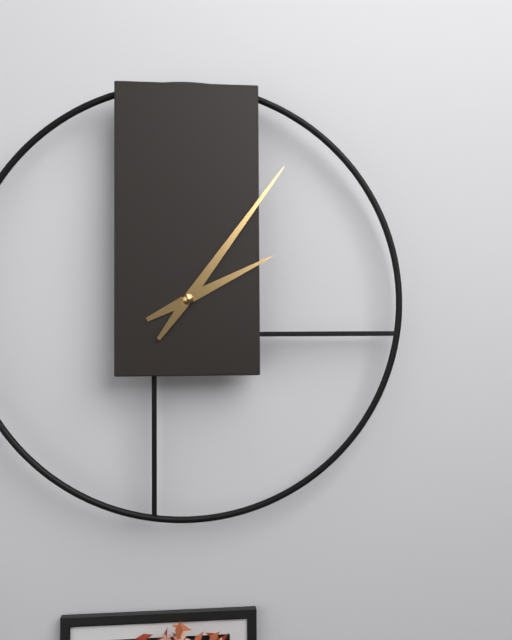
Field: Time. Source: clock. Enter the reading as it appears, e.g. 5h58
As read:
2h06
